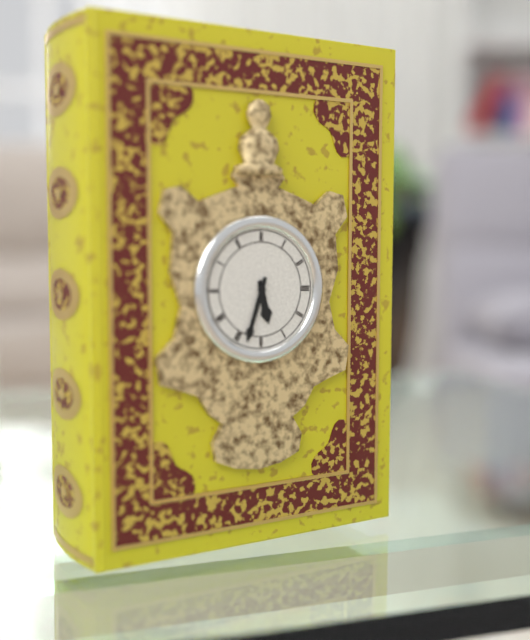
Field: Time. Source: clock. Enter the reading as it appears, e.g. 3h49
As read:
5h33
